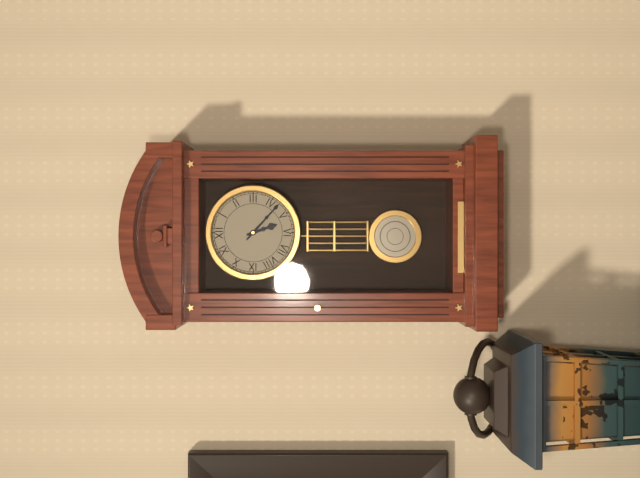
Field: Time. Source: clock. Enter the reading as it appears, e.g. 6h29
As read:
5h22
